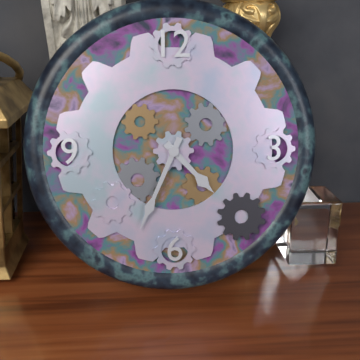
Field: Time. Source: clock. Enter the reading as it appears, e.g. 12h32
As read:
4h34
